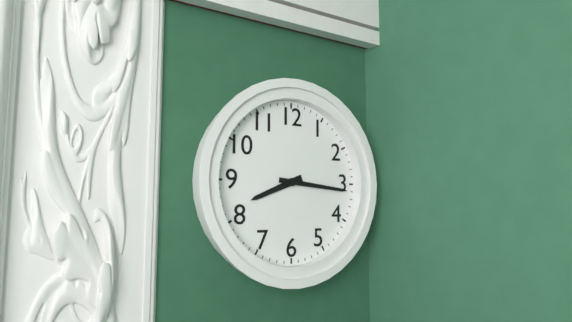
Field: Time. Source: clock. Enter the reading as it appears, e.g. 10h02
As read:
8h16
